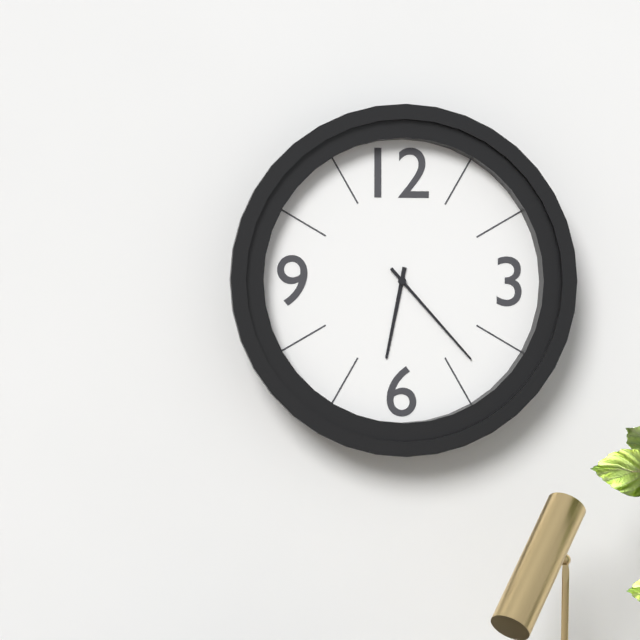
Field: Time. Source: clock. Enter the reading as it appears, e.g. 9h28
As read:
6h23
